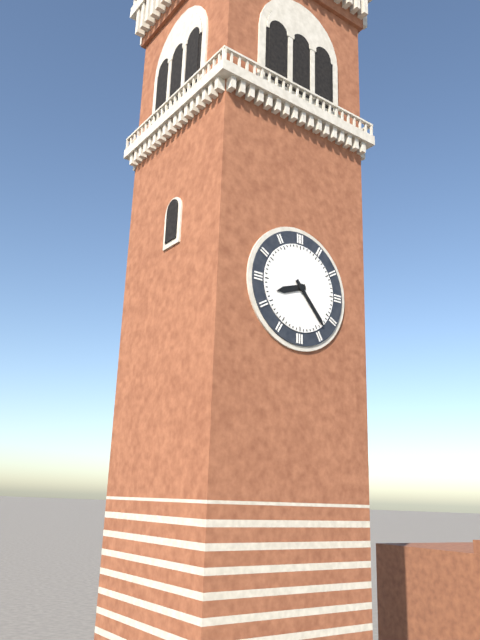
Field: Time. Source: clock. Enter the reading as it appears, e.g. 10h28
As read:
8h23
